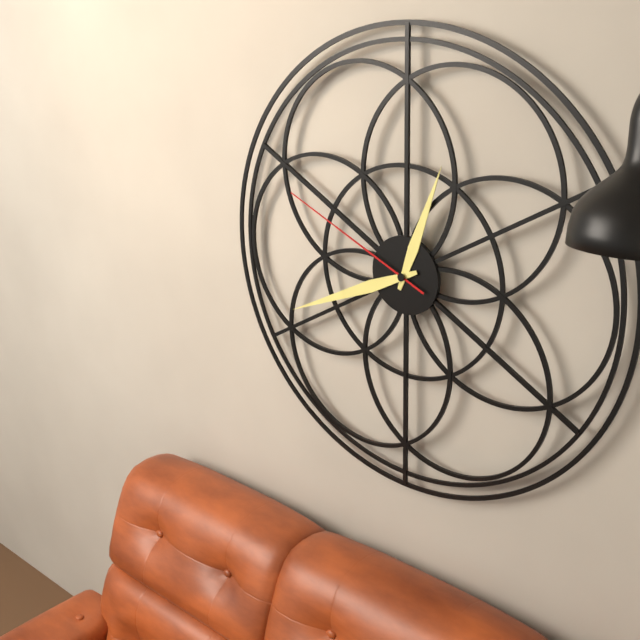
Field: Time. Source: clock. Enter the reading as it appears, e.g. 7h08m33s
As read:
12h41m49s
